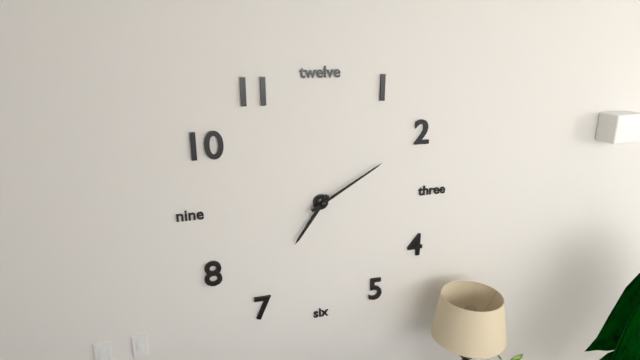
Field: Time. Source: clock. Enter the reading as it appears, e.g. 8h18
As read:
7h10
